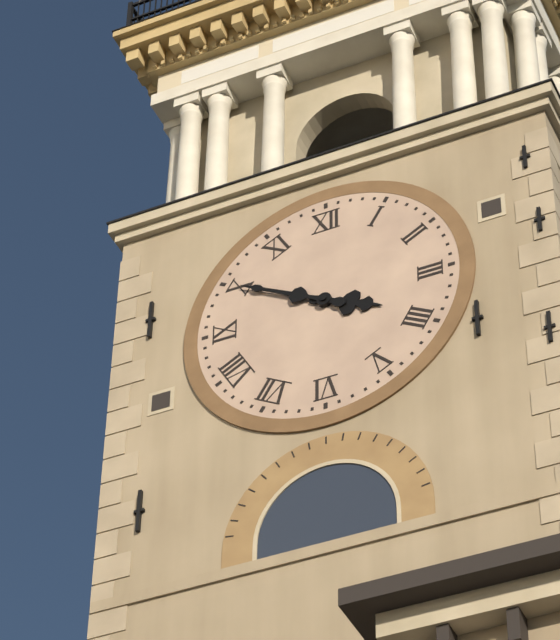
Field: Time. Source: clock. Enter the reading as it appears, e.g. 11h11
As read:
3h50
